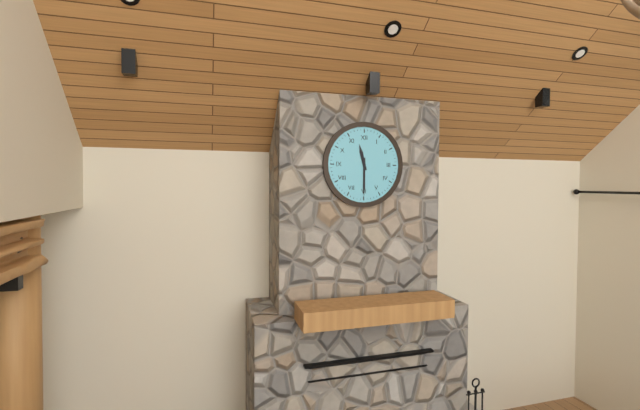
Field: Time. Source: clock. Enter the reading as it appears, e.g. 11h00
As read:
11h30
